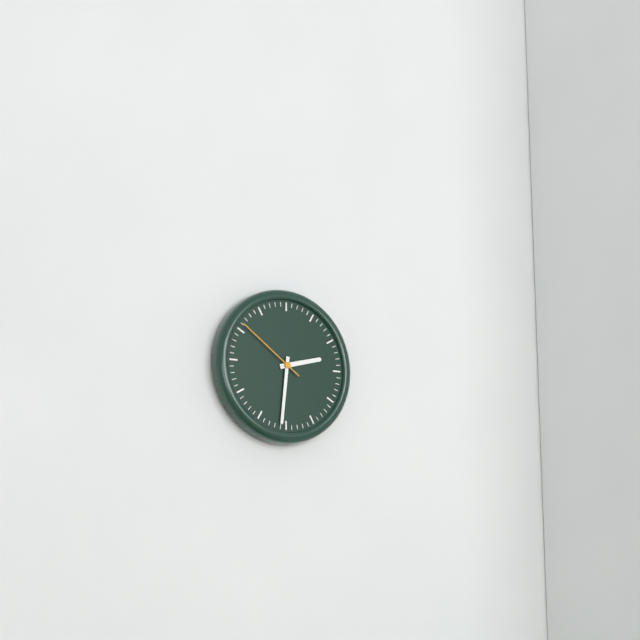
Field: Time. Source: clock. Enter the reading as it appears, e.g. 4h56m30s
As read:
2h31m51s
